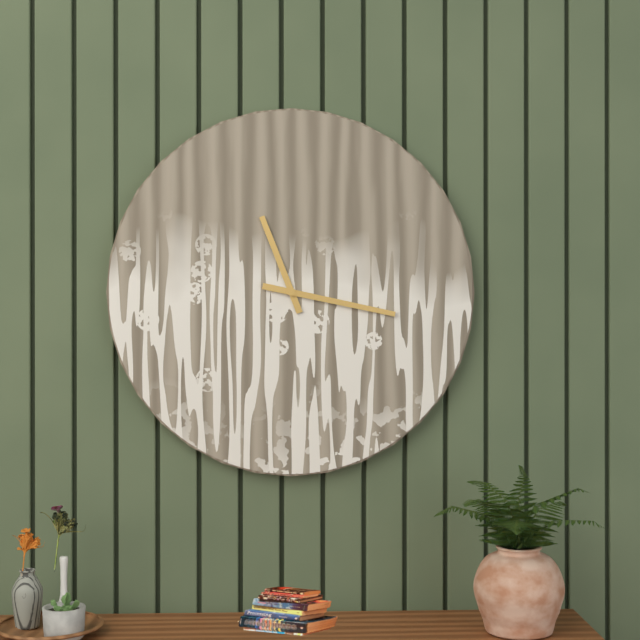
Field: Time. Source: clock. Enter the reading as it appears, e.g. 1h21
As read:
11h17
